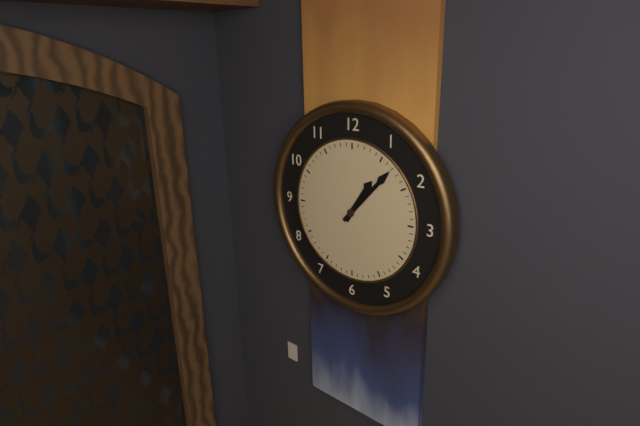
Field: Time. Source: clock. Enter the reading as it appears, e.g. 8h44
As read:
1h07
